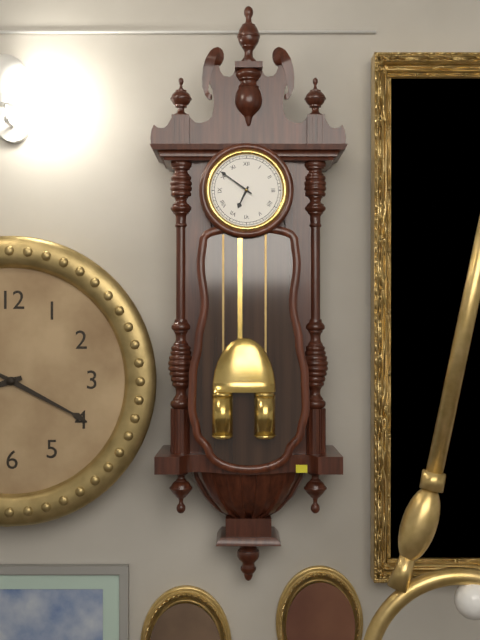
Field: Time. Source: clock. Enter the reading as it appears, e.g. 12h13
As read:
6h51
